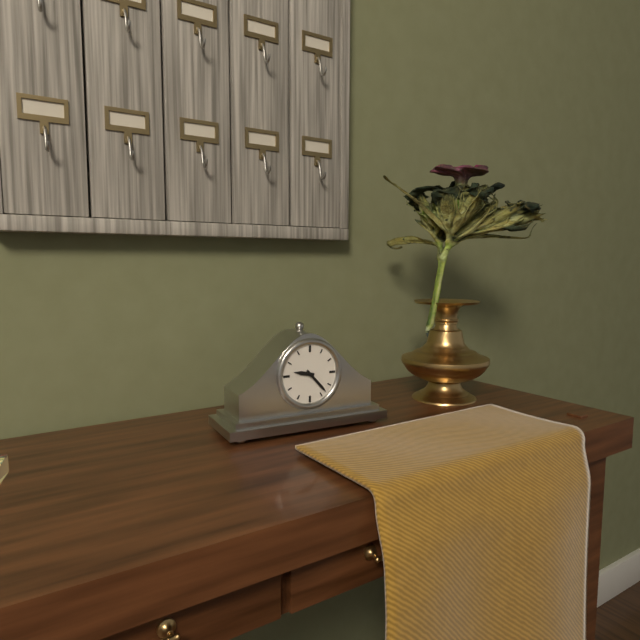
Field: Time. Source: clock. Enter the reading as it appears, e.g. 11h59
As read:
9h23
